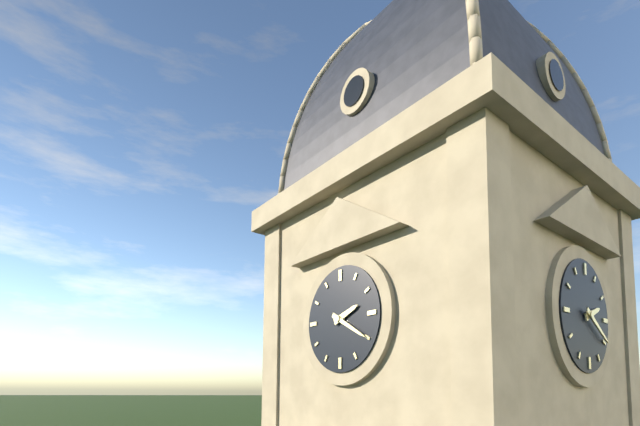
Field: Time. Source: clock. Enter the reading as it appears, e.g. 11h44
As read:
2h20
